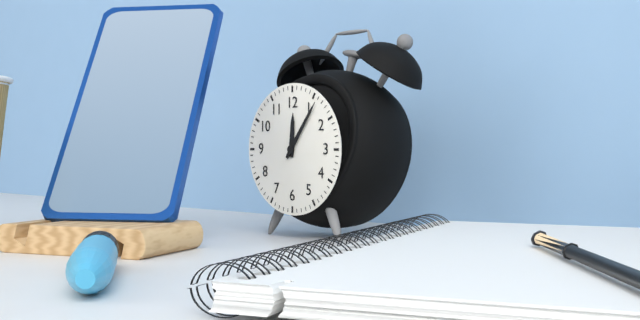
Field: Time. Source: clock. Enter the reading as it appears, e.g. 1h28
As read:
12h06
